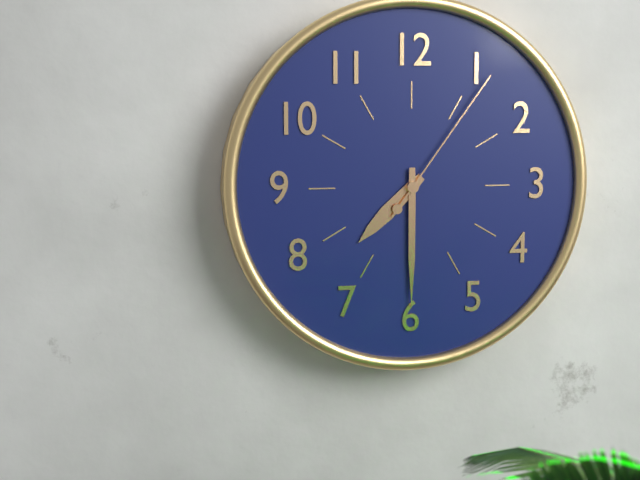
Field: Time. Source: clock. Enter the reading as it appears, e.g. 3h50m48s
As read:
7h30m06s
